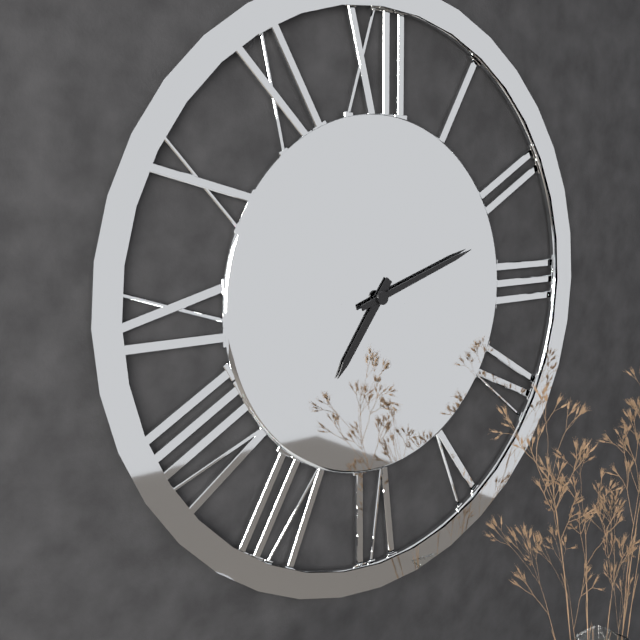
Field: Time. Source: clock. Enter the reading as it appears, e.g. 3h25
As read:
7h12
